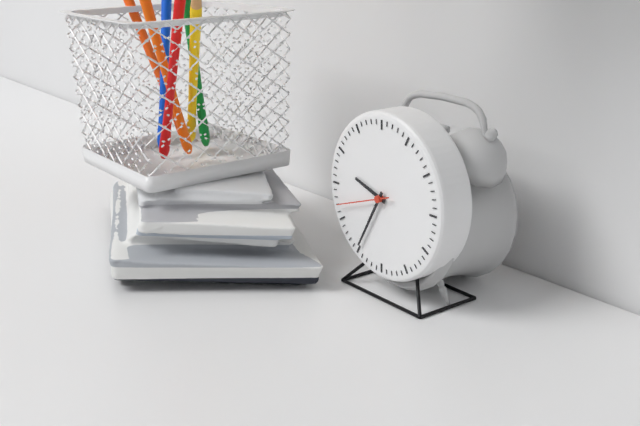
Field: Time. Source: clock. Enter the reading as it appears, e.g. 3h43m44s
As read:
9h35m42s
